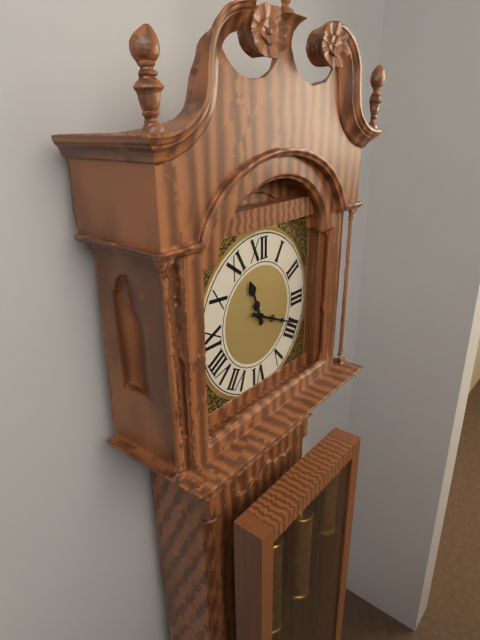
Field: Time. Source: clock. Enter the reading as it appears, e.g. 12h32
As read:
11h19
